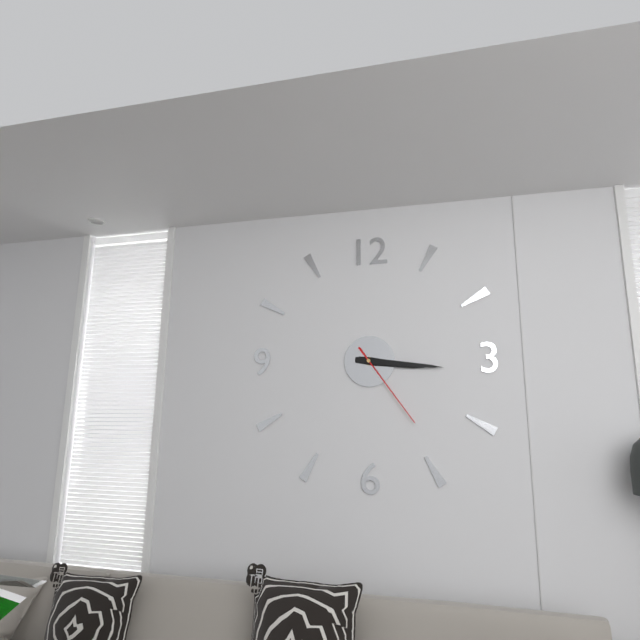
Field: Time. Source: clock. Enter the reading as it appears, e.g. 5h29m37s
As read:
3h16m24s
